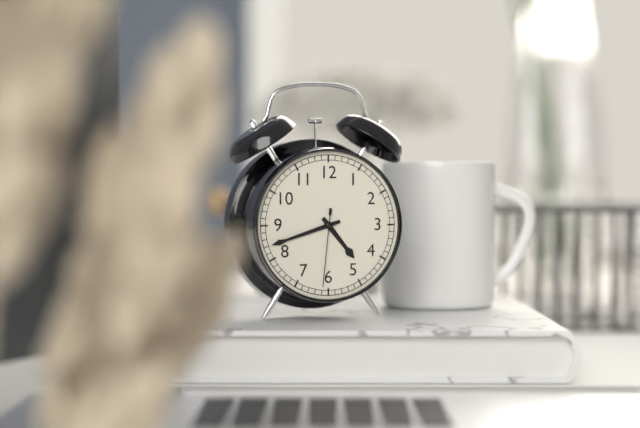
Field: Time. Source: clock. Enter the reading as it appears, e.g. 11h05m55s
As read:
4h42m31s
